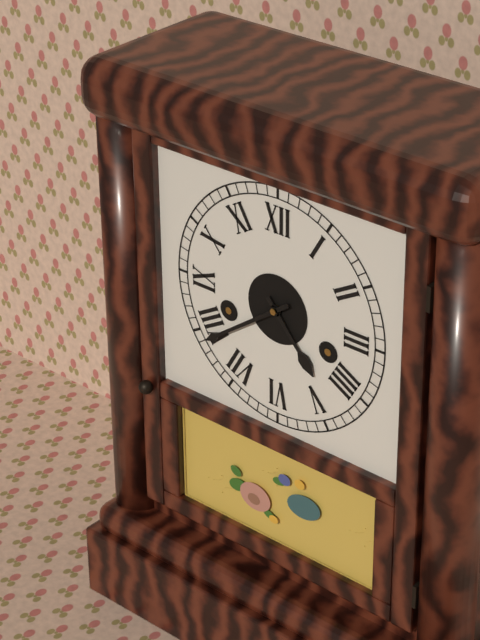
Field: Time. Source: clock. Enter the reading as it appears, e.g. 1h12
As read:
4h39
